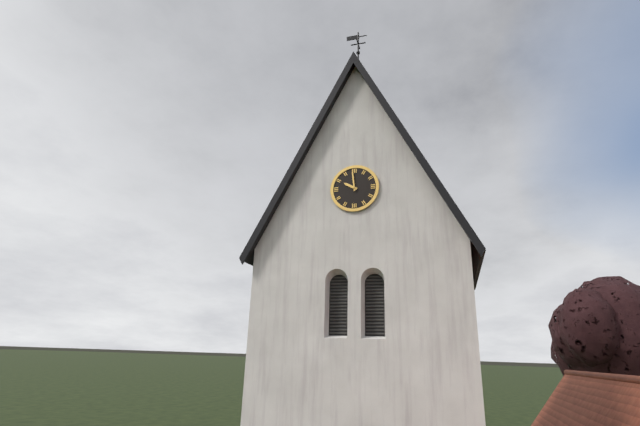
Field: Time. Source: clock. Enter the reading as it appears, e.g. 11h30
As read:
9h59
